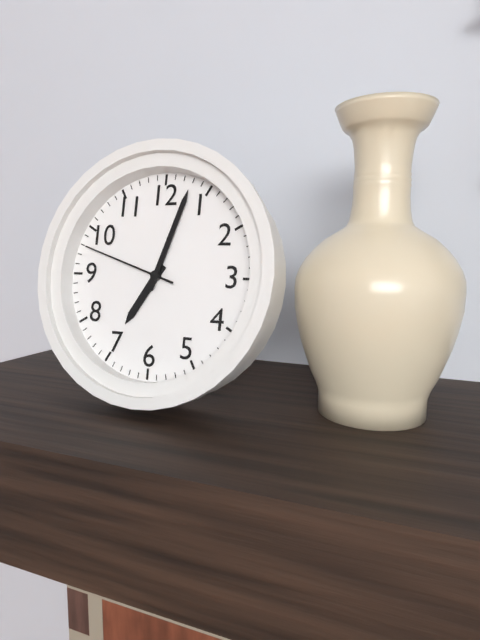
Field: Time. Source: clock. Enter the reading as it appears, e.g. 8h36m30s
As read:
7h03m48s
